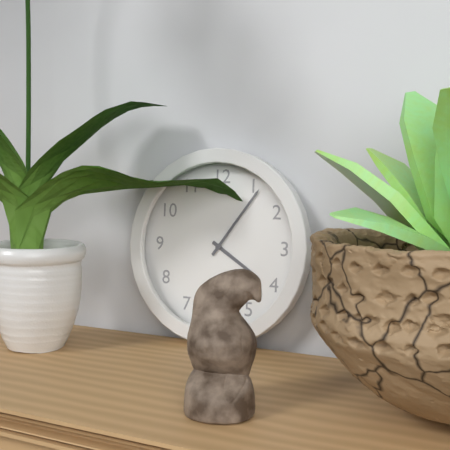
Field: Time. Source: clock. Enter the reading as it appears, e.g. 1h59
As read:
4h06
